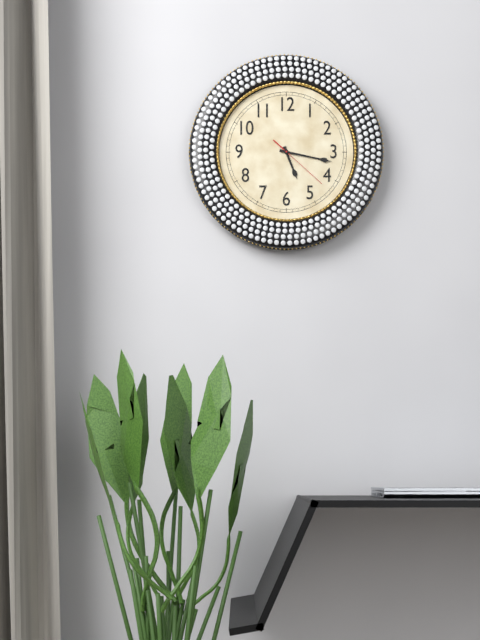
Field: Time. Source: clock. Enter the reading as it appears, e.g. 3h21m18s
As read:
5h17m22s
